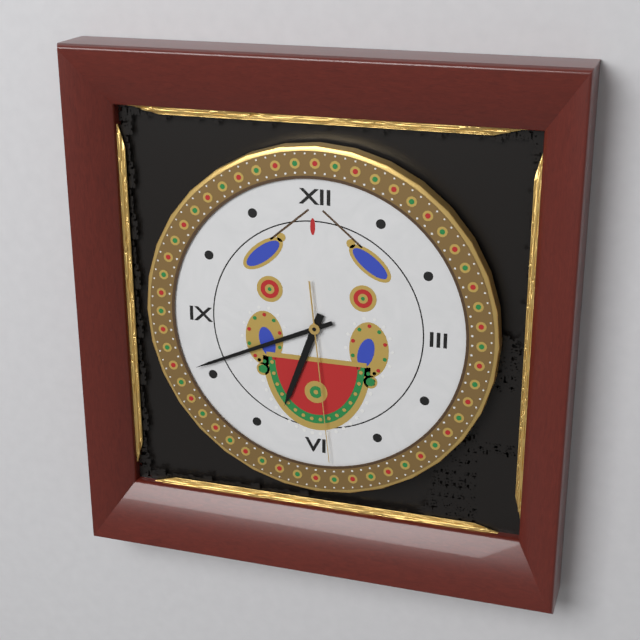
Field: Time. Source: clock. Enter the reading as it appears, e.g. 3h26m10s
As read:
6h41m29s
